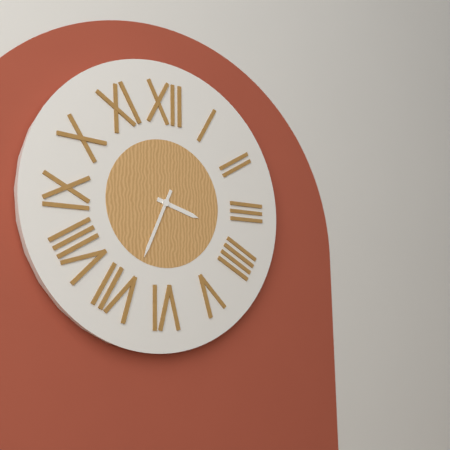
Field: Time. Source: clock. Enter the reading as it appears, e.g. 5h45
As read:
3h34
